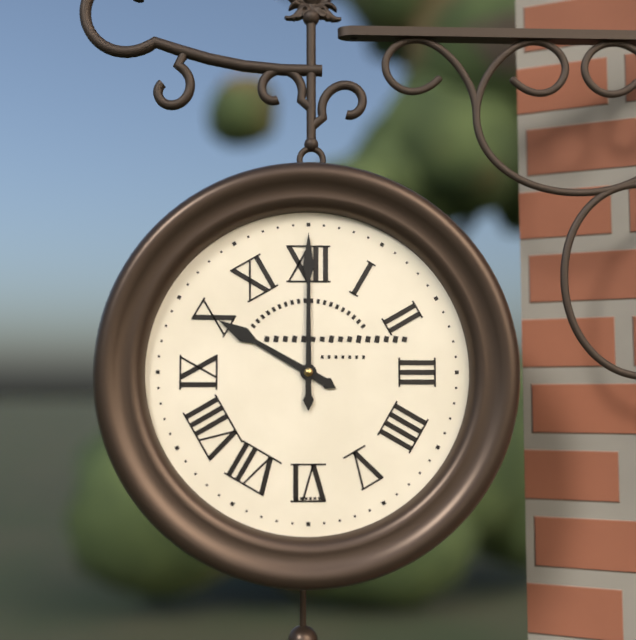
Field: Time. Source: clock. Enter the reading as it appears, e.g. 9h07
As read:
10h00
